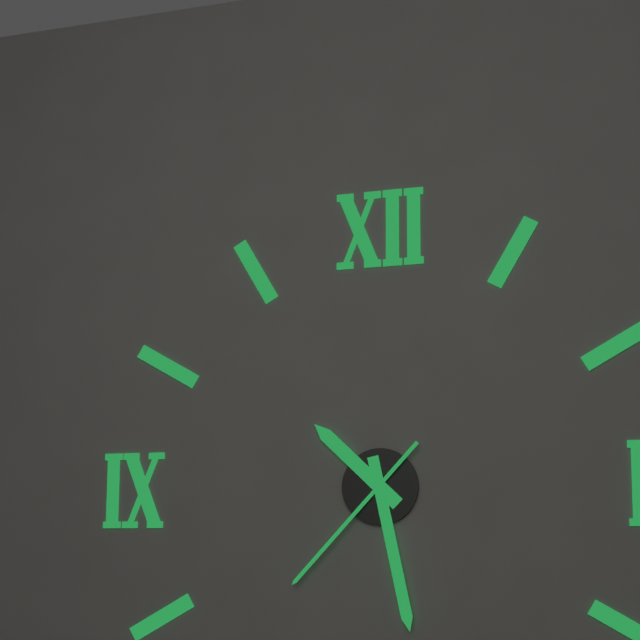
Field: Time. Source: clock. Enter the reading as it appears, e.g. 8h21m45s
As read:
10h28m37s
